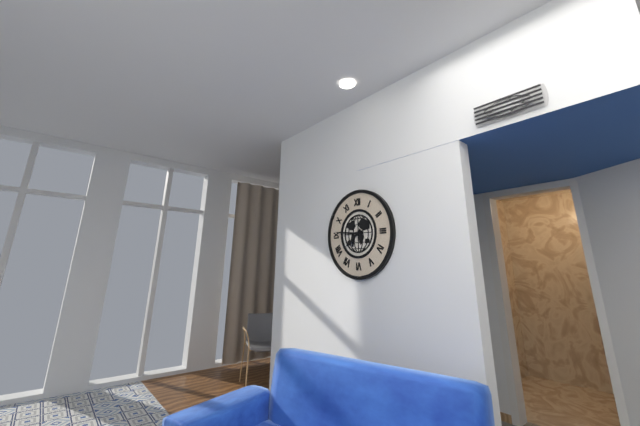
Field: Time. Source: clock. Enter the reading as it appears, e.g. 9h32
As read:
7h46
